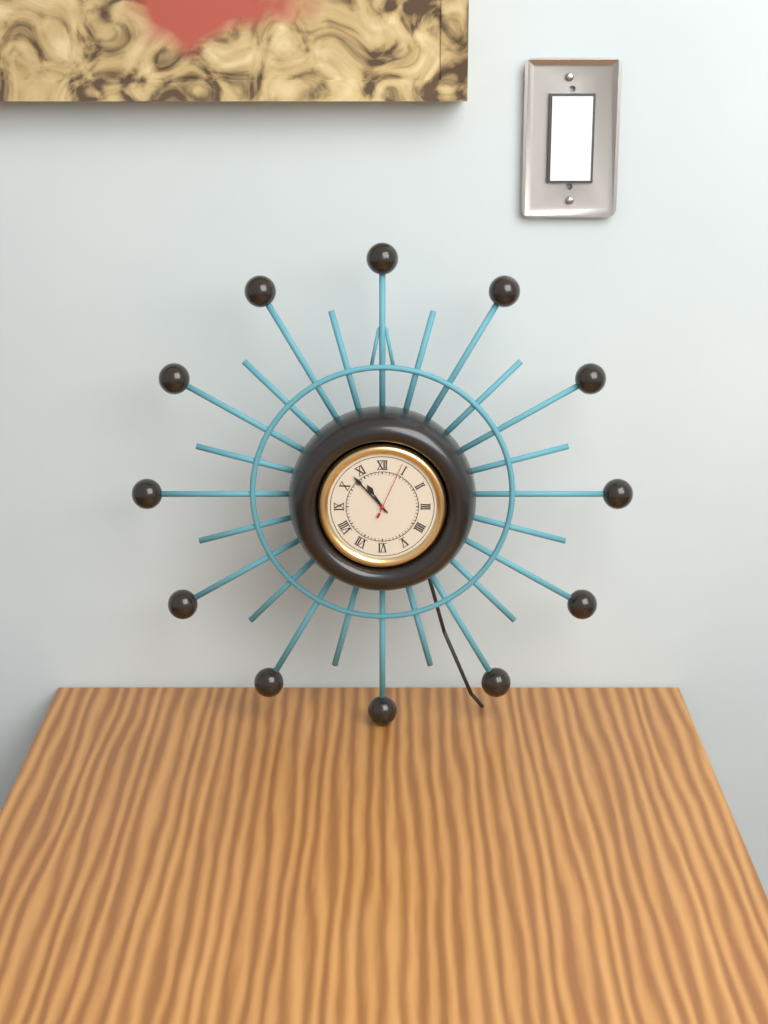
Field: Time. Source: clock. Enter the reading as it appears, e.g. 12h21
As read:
10h53
